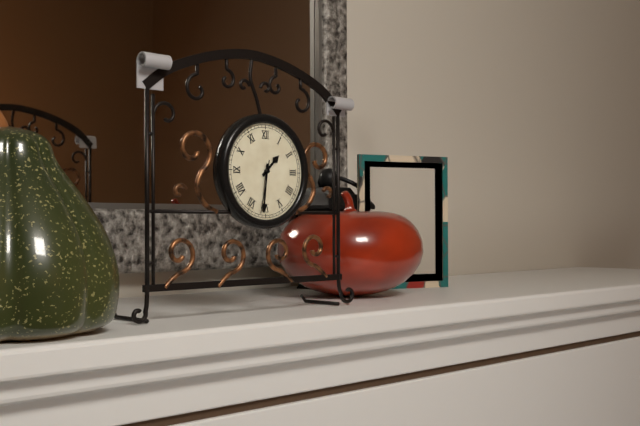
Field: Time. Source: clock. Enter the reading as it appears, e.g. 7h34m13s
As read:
1h31m32s
